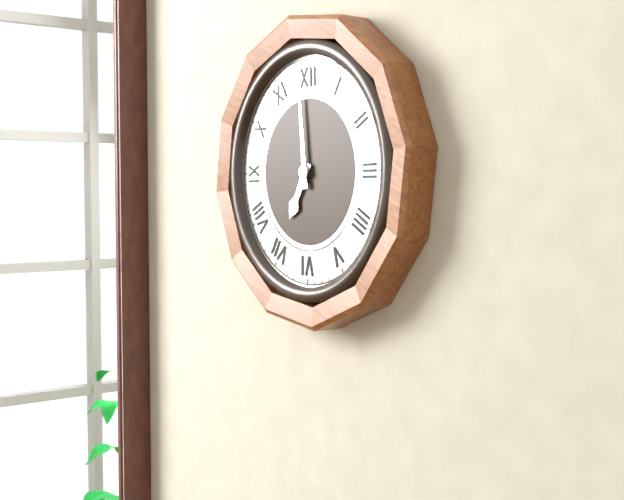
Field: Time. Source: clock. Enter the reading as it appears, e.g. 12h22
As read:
6h59
